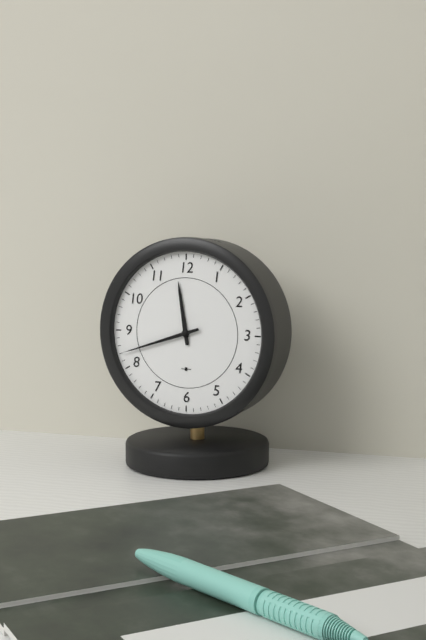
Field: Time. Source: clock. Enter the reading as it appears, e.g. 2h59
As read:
11h42
